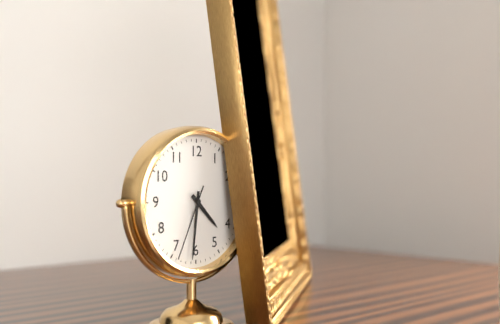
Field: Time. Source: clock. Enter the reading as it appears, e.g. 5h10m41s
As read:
4h31m34s
